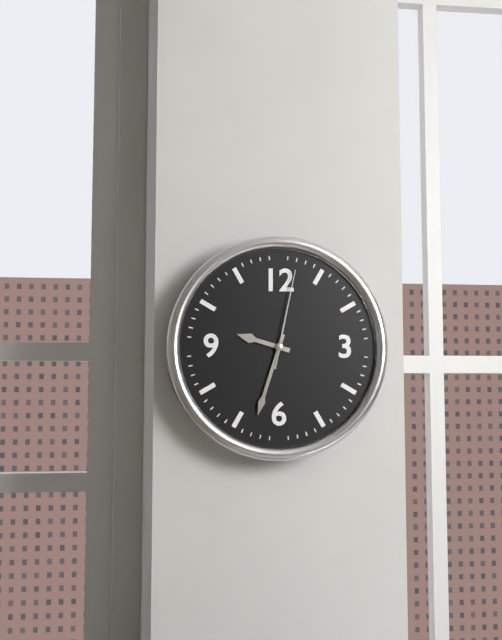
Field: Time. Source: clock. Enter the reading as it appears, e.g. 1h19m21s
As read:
9h33m02s
